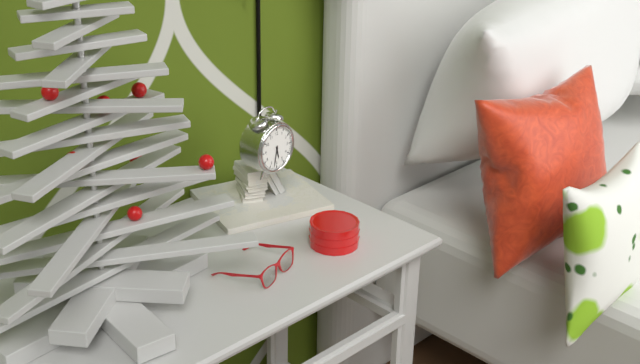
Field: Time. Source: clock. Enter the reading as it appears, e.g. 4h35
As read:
5h32
